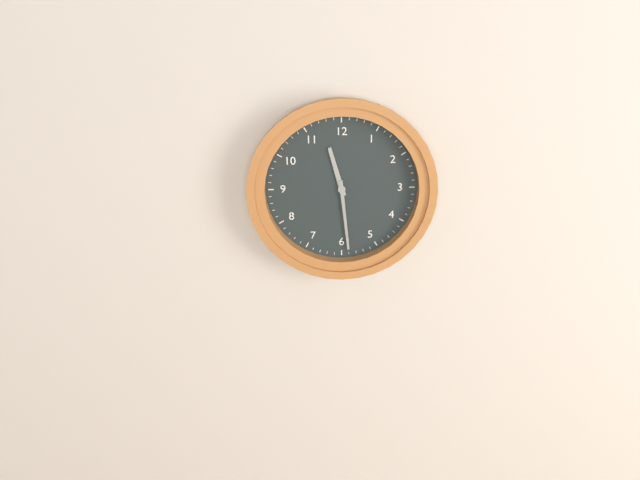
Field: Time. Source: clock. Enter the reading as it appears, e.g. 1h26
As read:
11h29
